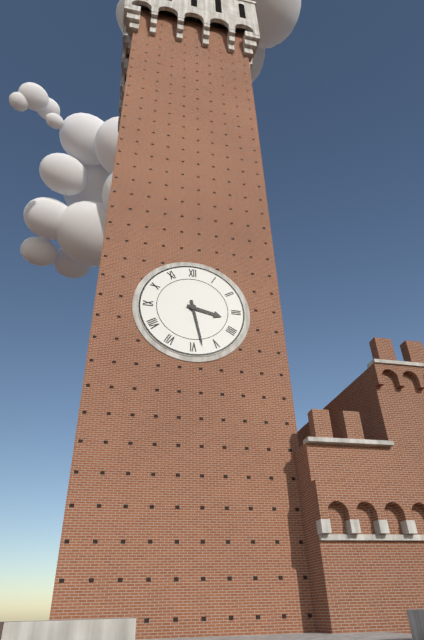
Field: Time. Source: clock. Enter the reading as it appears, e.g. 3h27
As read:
3h28
